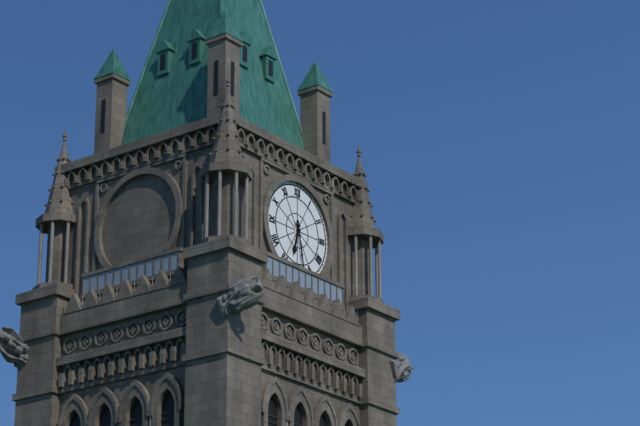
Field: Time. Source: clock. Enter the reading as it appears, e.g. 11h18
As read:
6h28
